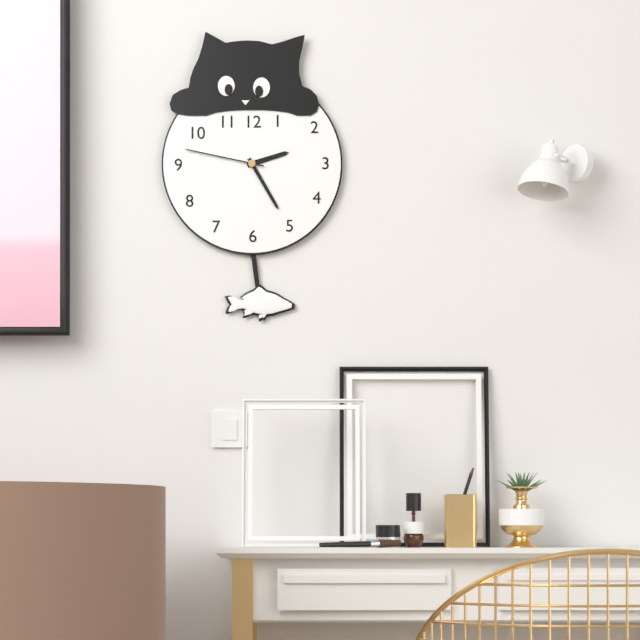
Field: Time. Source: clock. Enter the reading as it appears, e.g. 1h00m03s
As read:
2h25m47s
